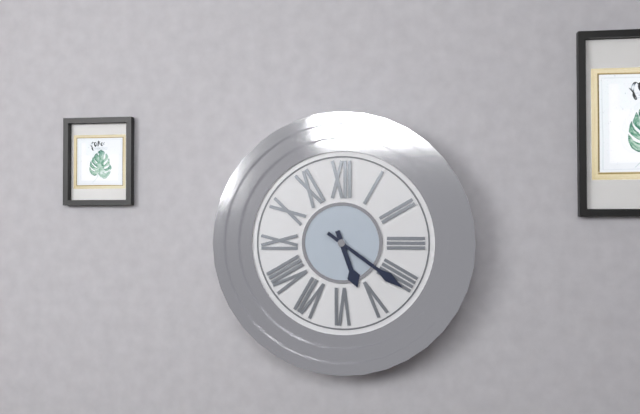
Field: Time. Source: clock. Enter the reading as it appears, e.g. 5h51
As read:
5h21
